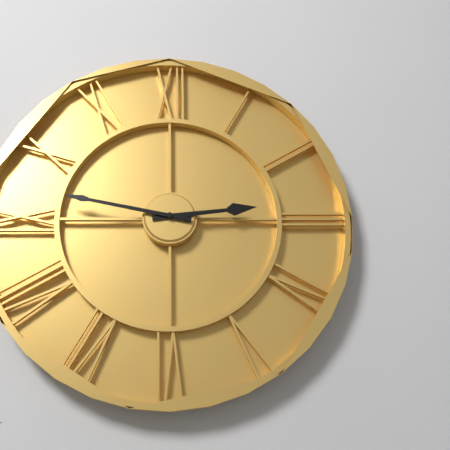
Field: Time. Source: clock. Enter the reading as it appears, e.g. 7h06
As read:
2h47
